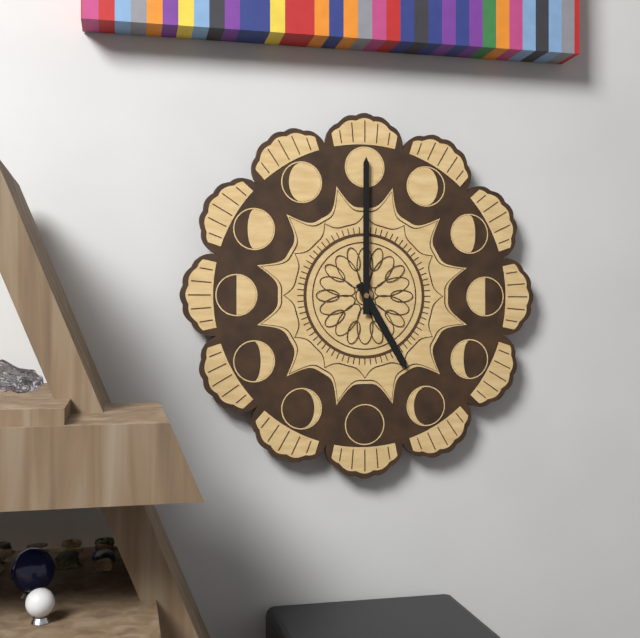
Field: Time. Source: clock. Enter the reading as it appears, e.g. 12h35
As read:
5h00
